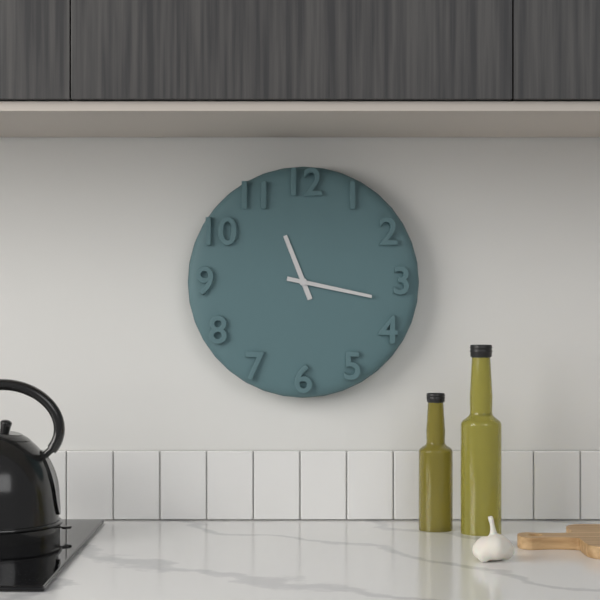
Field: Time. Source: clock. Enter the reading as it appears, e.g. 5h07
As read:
11h17
